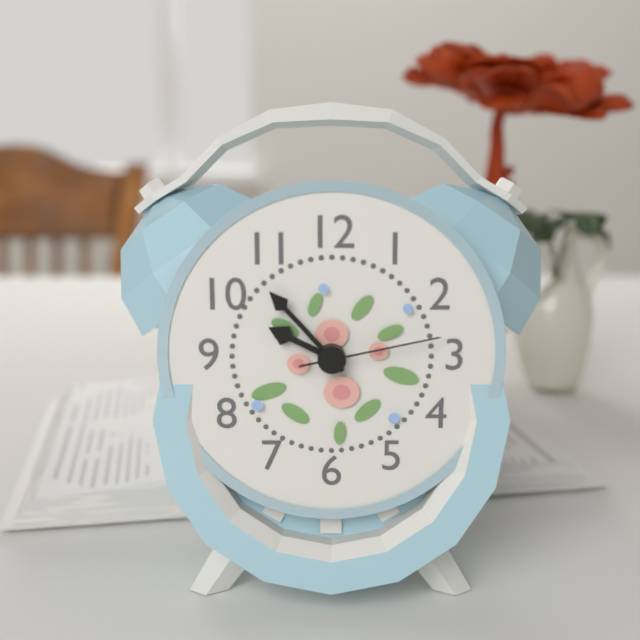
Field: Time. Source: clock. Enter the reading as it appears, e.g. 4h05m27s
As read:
9h53m13s
